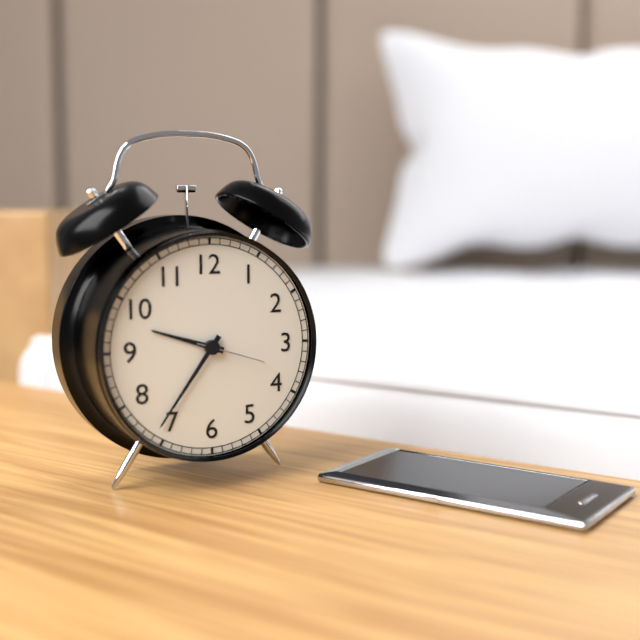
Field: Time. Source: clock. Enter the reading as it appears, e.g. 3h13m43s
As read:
9h36m18s
